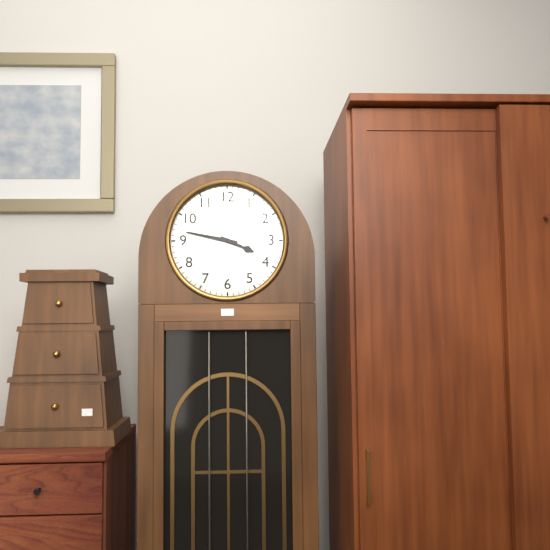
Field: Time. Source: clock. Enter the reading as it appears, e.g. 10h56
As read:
3h47
